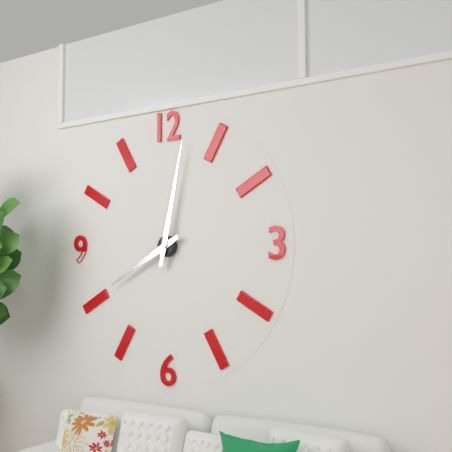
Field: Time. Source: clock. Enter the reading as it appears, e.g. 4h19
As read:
8h02
